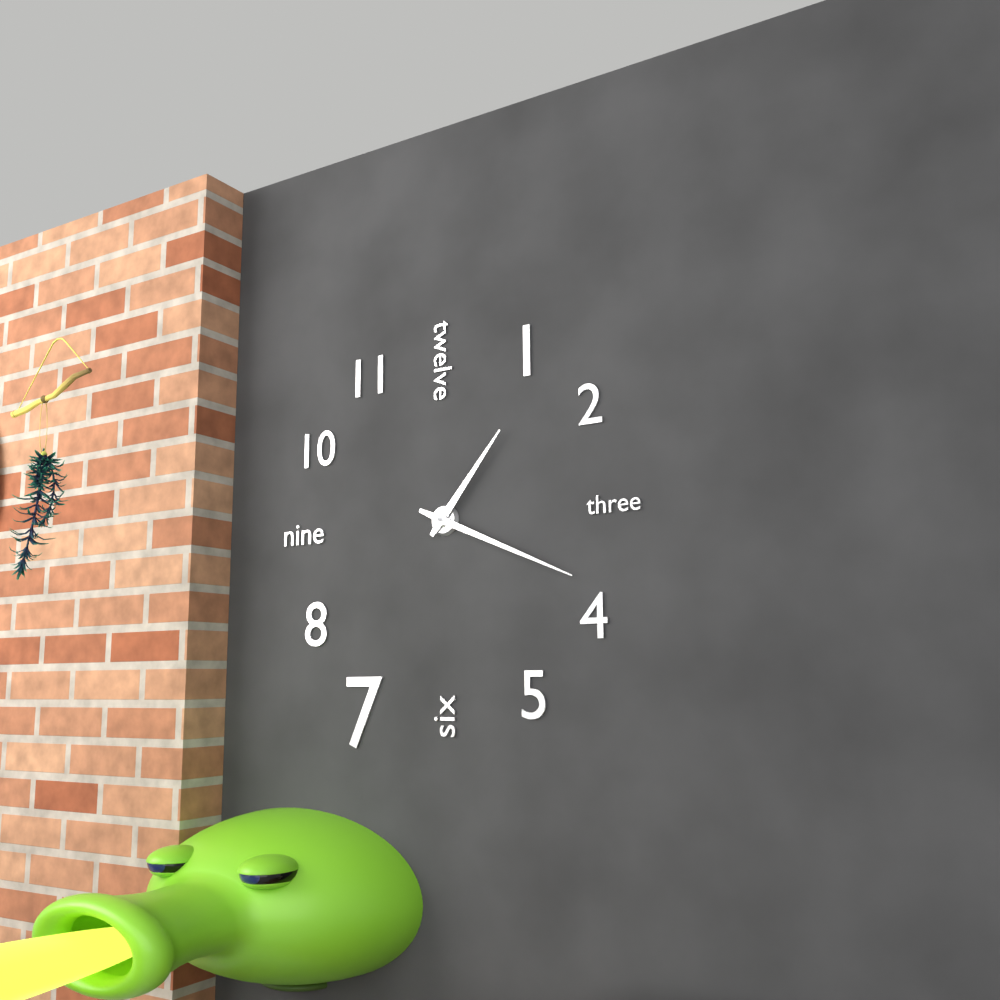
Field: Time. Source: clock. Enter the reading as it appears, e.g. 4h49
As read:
1h19
